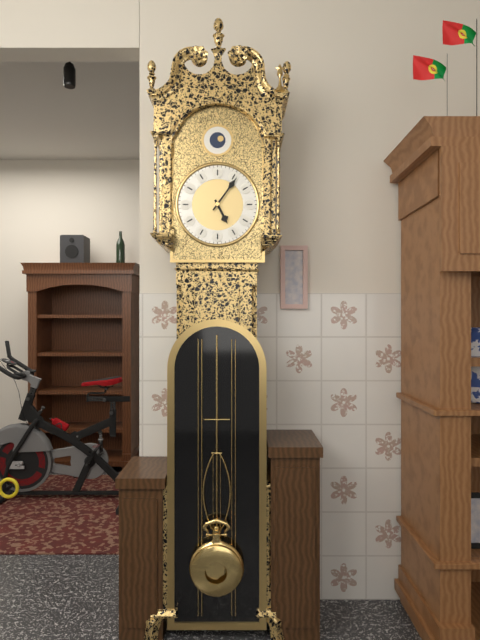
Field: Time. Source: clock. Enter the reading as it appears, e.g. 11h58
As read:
5h06
